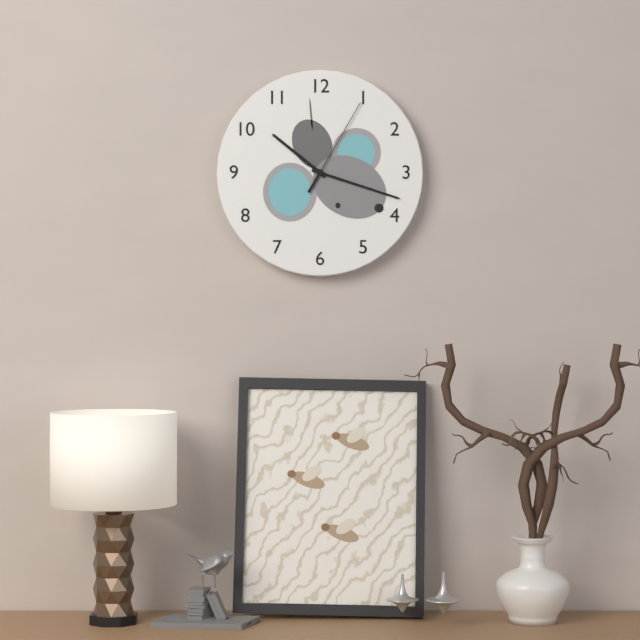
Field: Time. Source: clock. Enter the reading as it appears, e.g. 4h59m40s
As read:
10h18m05s
